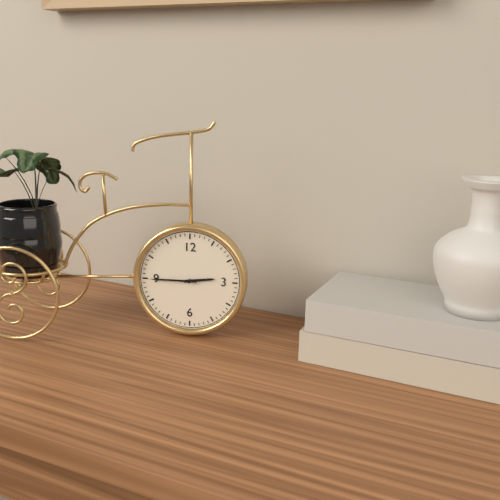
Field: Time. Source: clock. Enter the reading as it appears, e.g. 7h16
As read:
2h45
